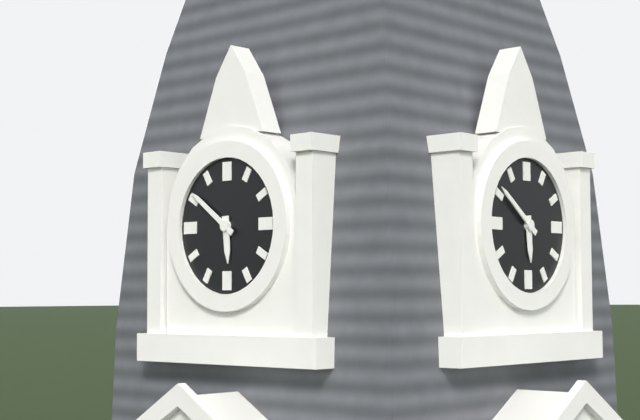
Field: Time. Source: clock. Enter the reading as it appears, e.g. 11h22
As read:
5h51
